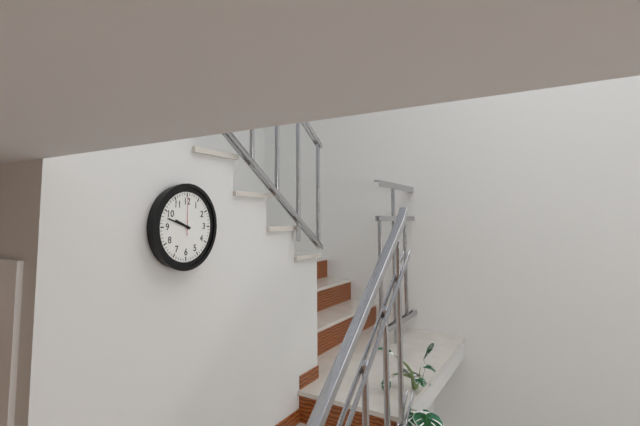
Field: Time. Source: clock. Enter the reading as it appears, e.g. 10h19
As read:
9h48
